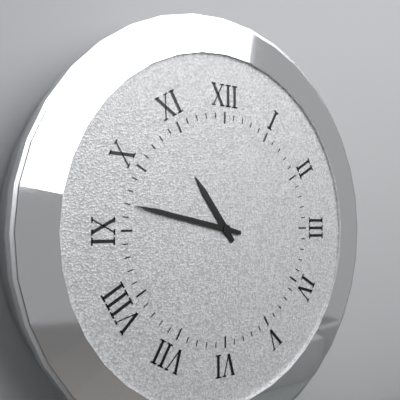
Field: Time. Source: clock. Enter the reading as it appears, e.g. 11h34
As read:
10h47
